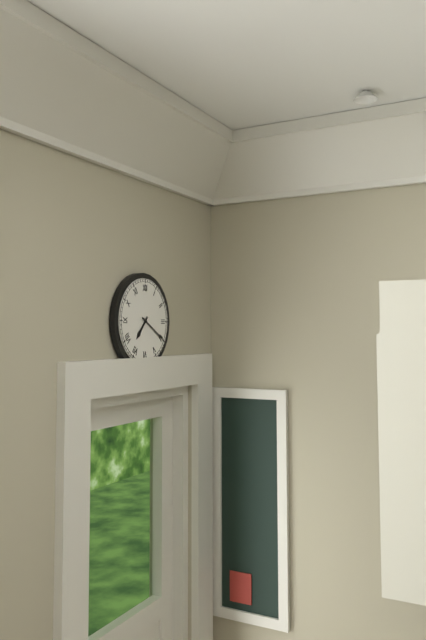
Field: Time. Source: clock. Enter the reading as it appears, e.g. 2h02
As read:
7h20
